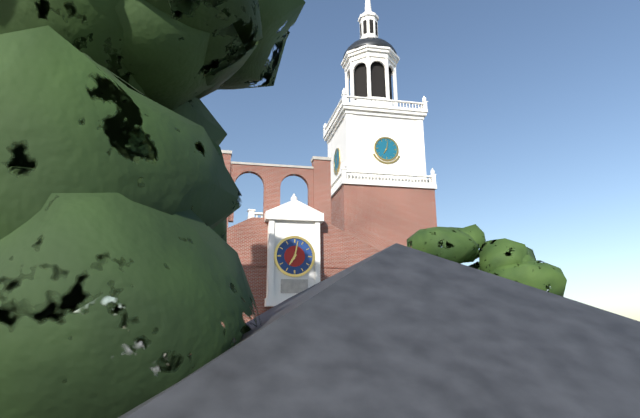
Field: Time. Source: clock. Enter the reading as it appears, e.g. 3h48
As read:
7h02
